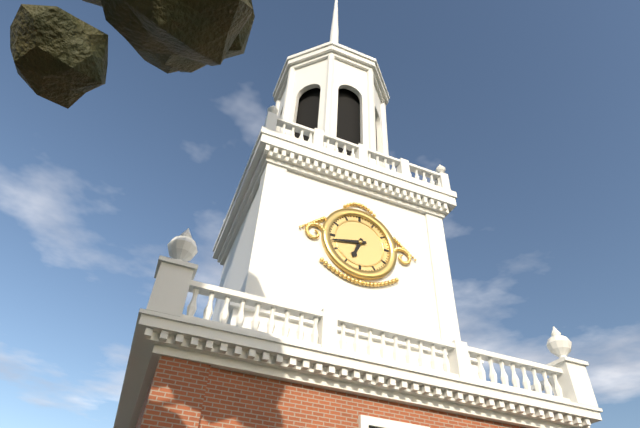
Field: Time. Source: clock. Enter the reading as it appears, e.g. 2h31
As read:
6h43
